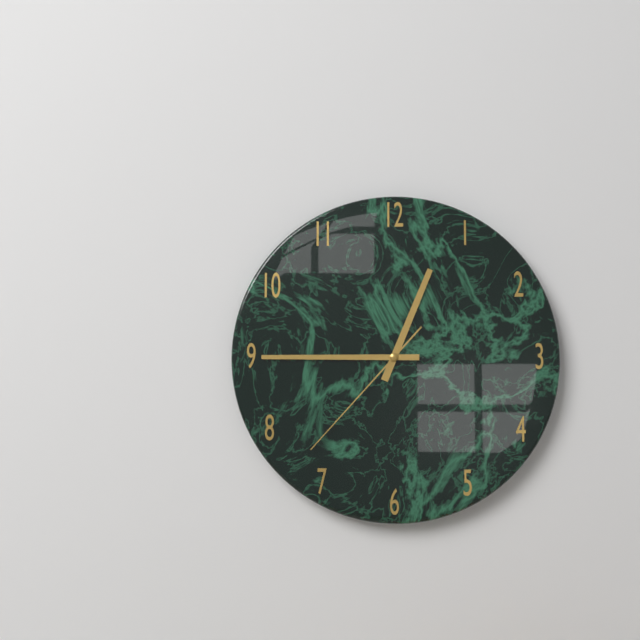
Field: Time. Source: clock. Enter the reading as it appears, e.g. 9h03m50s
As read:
12h45m37s
